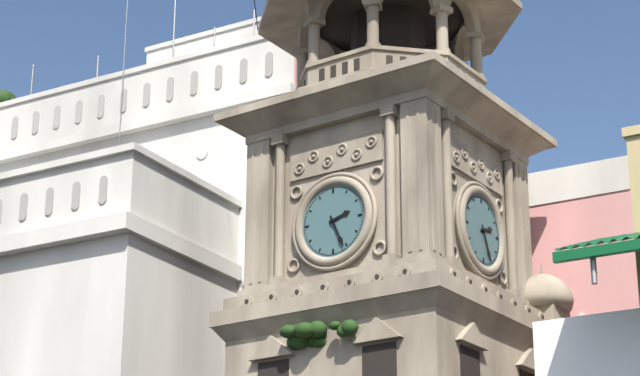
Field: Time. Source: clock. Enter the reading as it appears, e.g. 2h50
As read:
2h26
